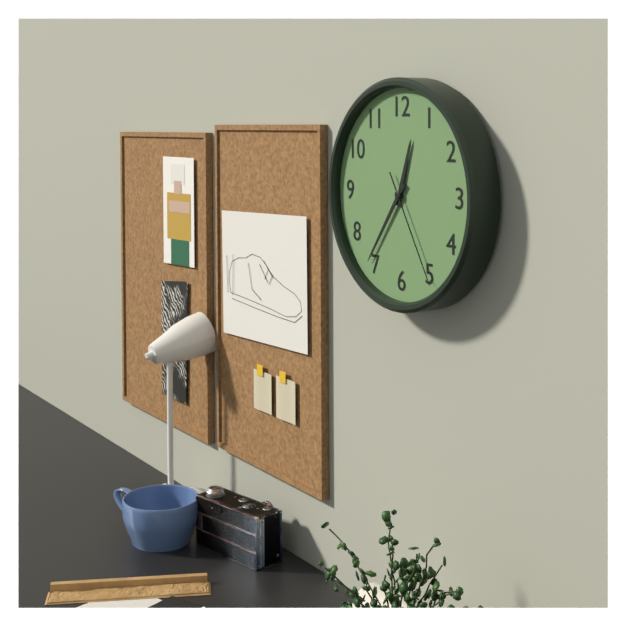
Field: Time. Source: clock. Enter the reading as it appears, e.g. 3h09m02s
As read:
12h36m25s
